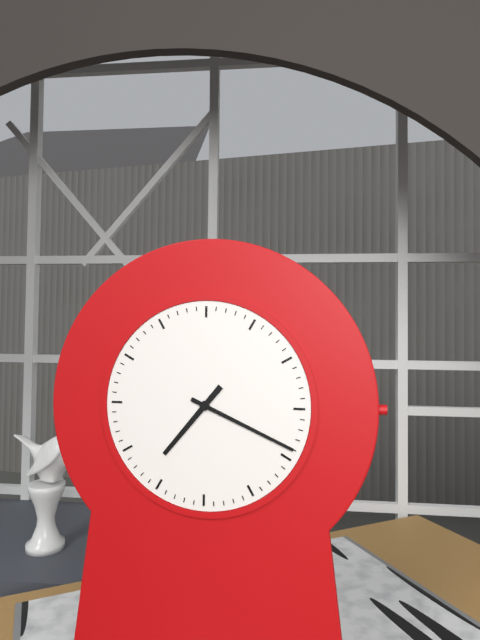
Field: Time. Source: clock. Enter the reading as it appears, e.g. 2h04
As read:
7h19
